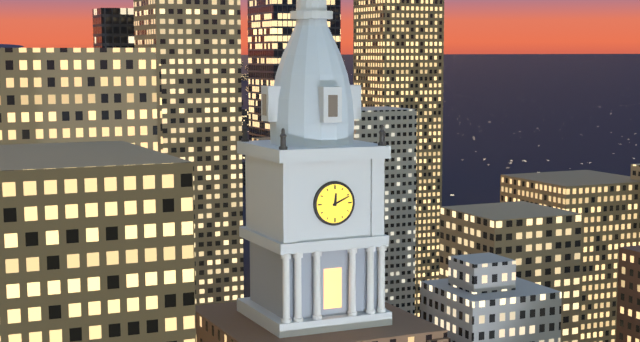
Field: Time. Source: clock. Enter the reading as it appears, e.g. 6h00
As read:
12h11
